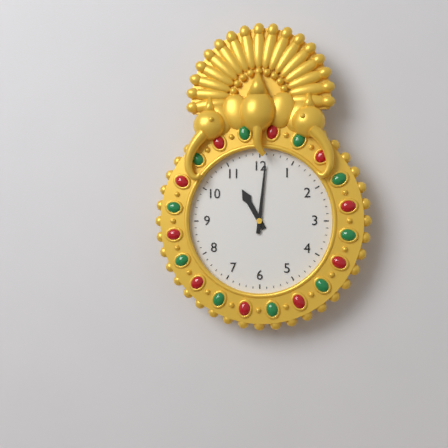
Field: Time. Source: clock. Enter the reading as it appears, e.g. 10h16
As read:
11h01
